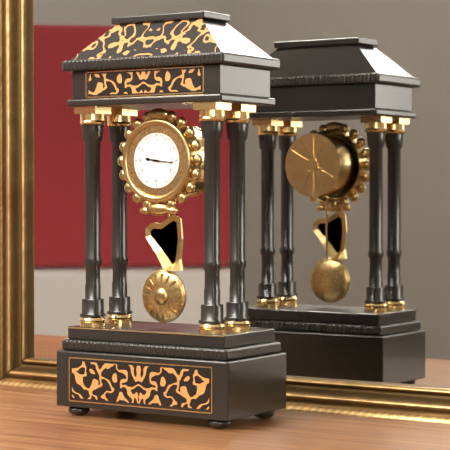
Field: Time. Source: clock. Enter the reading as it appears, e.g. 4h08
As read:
9h16
